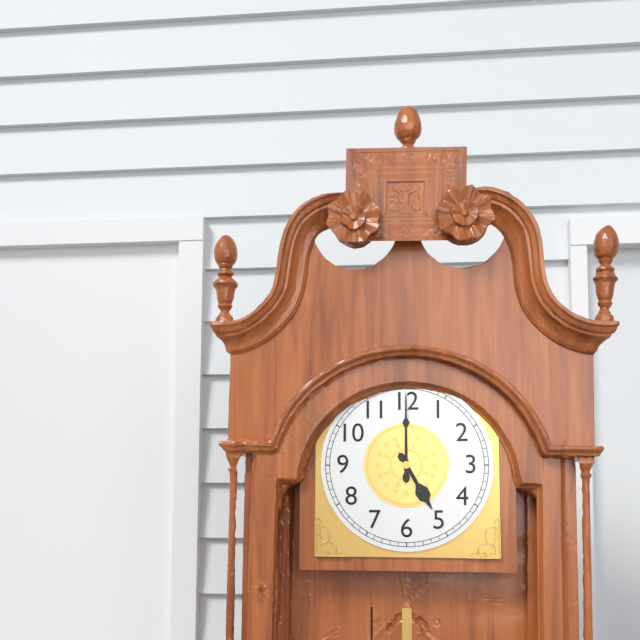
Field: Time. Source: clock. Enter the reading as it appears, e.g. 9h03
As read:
5h00
